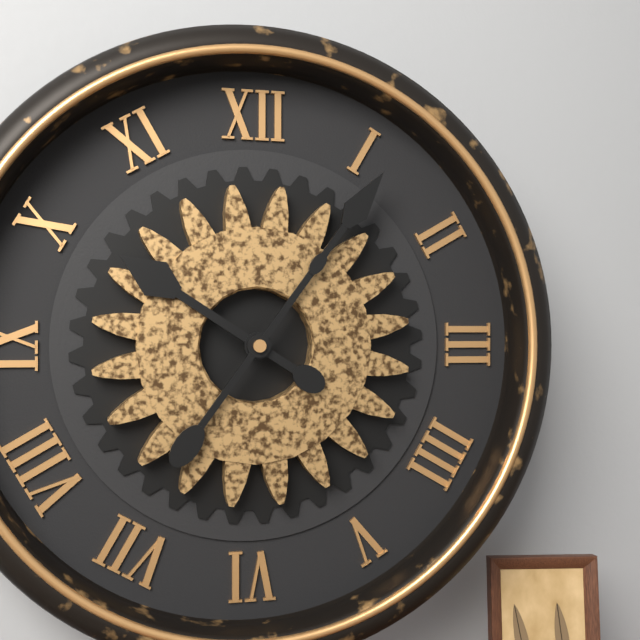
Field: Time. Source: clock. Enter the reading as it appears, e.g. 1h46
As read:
10h06
